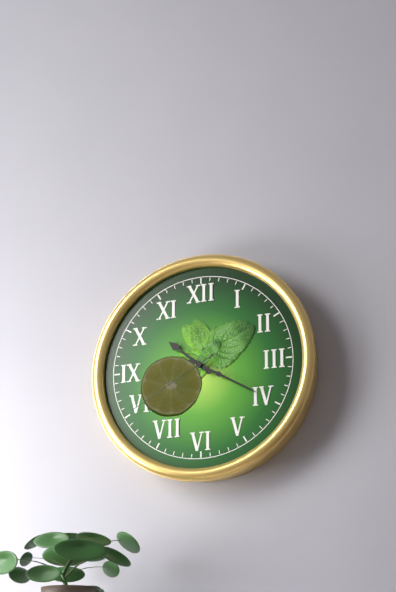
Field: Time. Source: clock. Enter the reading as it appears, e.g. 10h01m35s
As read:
10h20m40s
